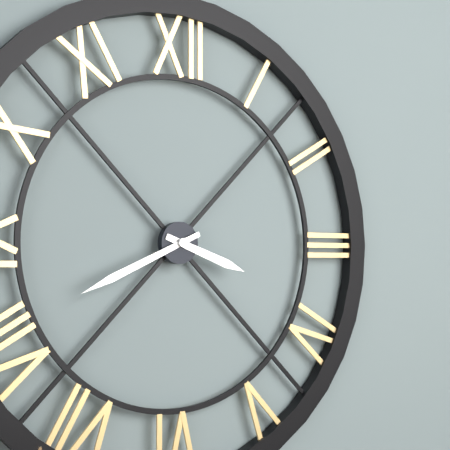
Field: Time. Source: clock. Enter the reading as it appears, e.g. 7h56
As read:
3h41
